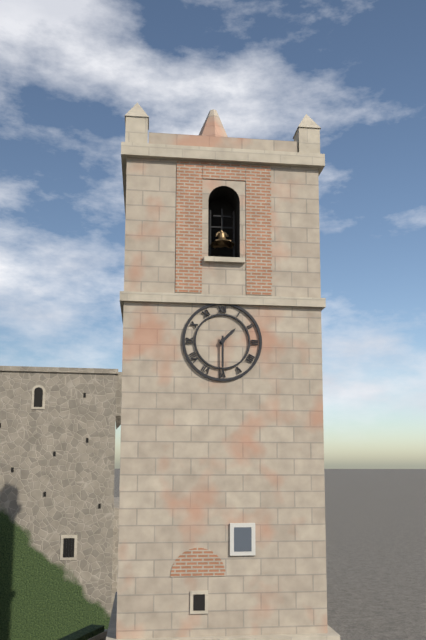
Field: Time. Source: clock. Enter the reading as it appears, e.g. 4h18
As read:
1h30
